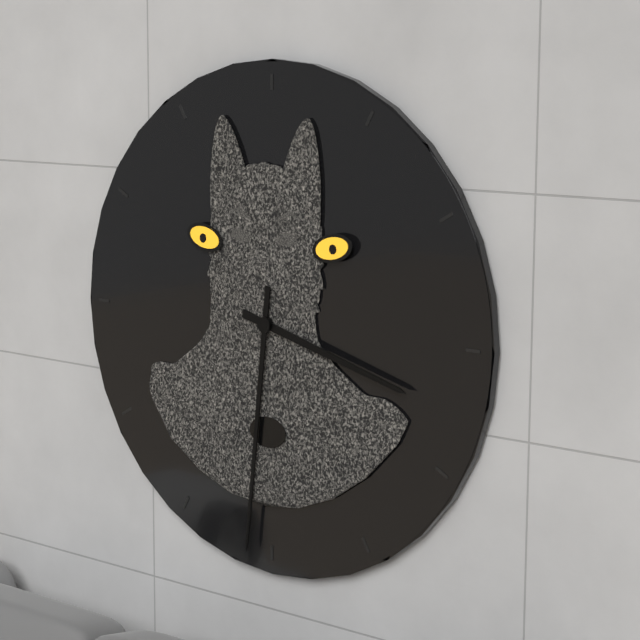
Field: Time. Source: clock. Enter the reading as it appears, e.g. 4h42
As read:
3h31
